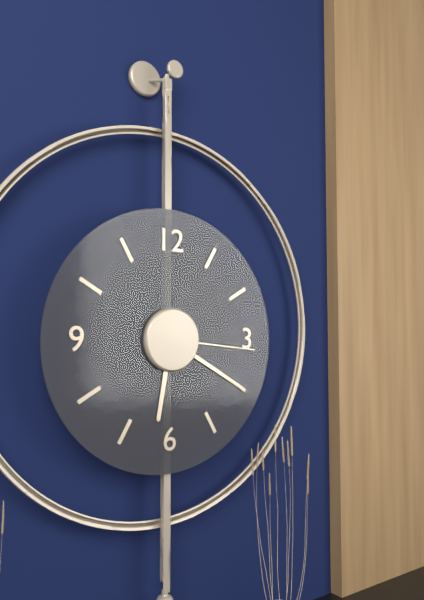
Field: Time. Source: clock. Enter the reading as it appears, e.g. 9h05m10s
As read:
6h20m16s
